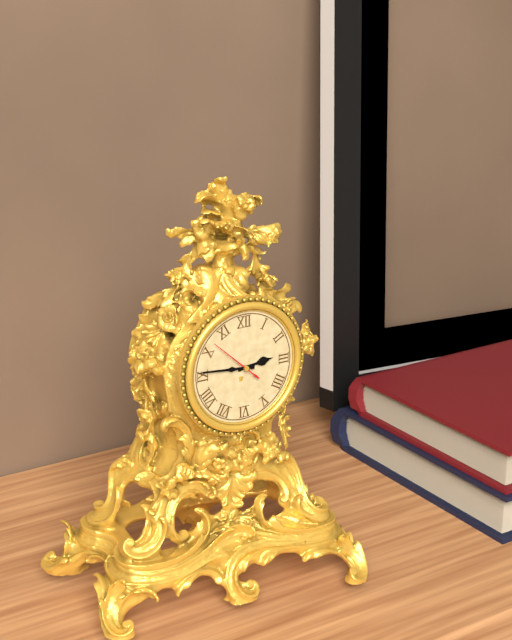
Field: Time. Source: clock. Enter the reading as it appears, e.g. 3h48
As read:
2h46
